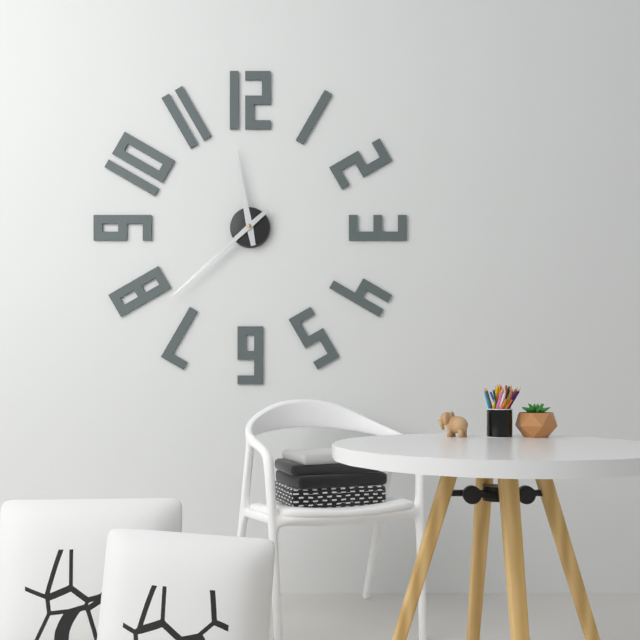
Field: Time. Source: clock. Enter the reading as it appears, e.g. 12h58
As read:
11h38
